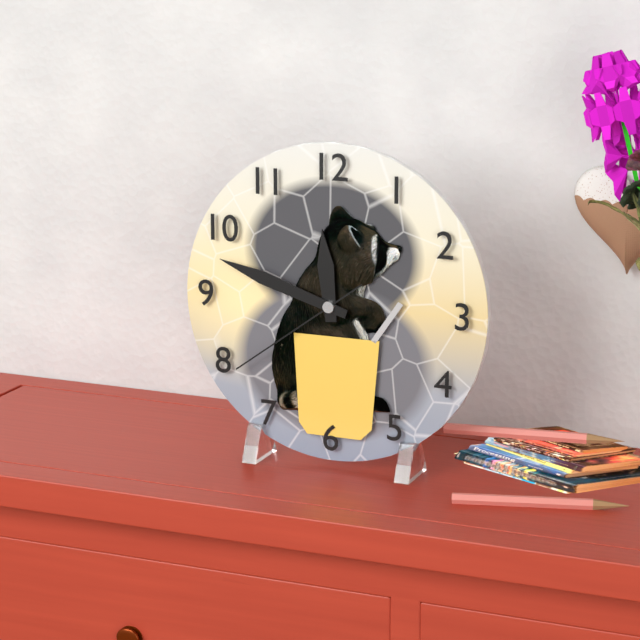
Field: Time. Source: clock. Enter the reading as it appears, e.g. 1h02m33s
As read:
11h48m39s
